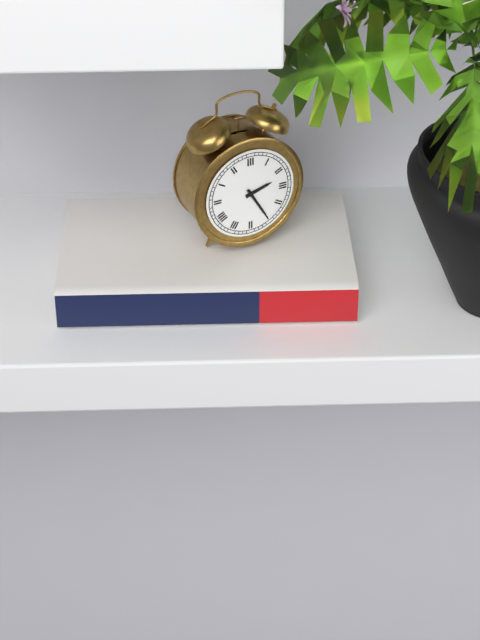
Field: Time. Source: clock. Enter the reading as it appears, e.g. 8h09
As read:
2h25
